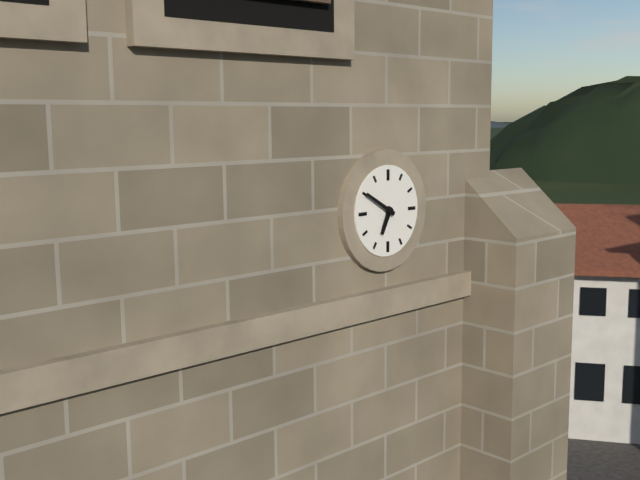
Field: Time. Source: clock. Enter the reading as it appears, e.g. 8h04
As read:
6h50
